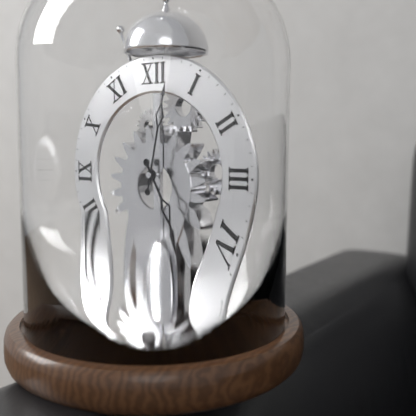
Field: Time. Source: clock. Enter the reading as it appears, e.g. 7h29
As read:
5h02
